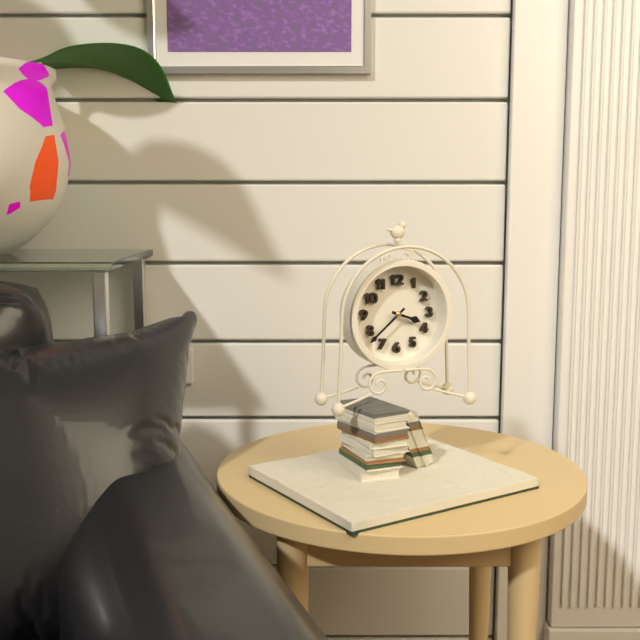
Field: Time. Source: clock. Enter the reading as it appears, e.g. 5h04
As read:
3h38
